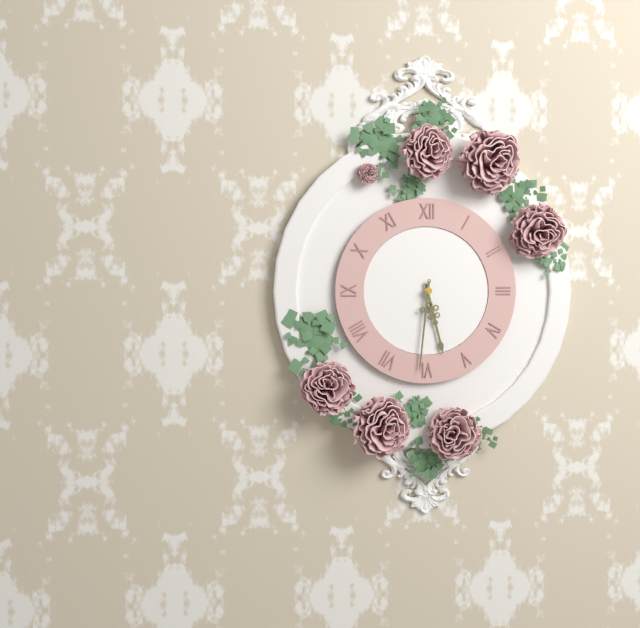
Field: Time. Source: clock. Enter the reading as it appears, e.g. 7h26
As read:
5h31
